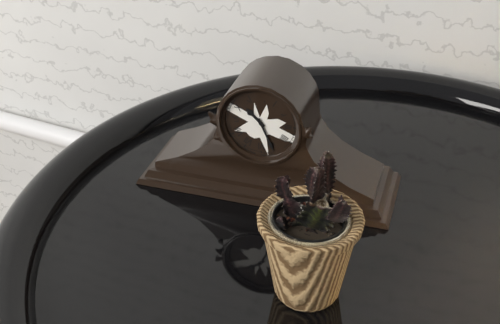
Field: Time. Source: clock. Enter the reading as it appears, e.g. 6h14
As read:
10h26
